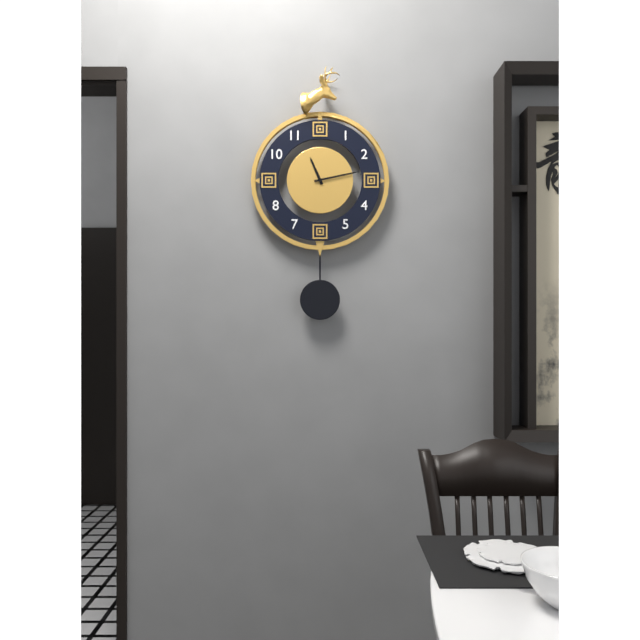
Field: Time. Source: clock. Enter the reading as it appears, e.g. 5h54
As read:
11h13
